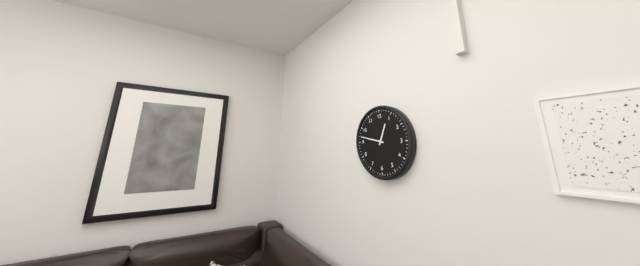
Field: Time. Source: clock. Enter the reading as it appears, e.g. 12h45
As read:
12h47
